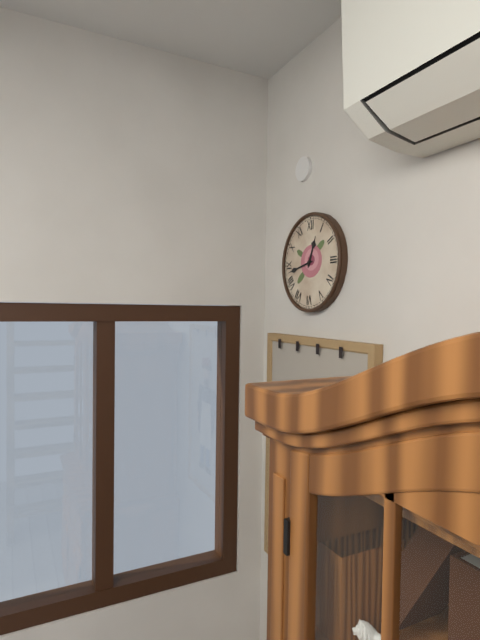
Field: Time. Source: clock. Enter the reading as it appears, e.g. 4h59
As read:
12h43
